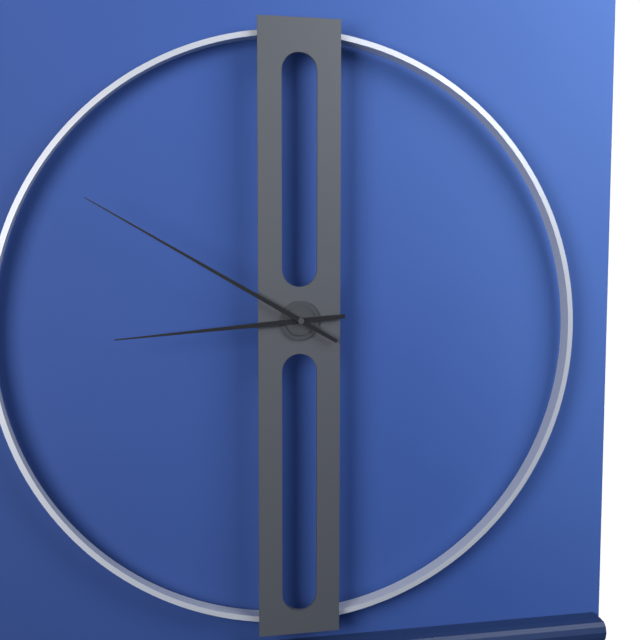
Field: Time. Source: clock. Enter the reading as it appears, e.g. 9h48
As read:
8h50
